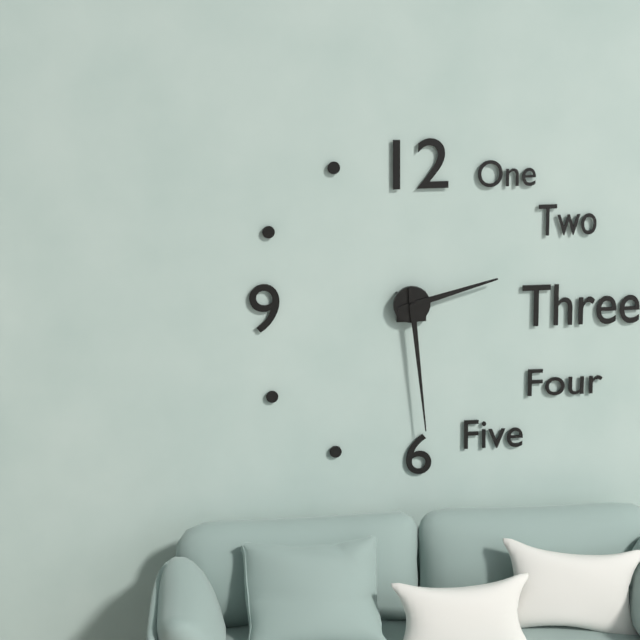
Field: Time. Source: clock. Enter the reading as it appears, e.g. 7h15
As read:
2h29
